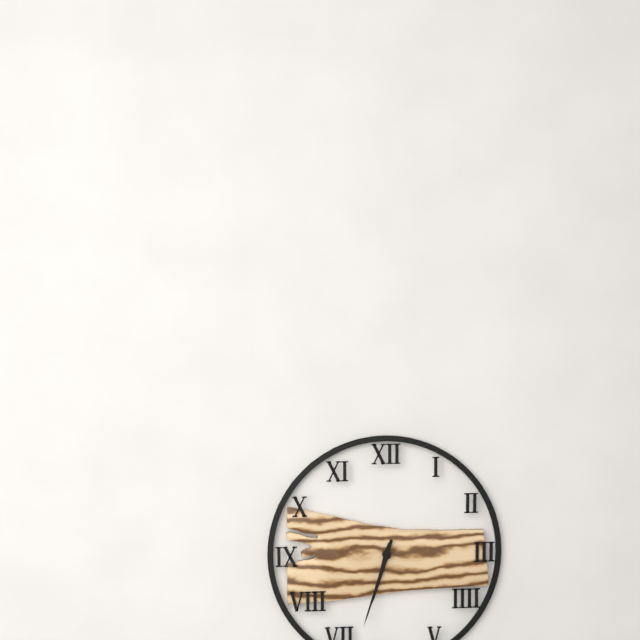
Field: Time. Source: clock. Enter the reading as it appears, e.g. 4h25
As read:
6h33
